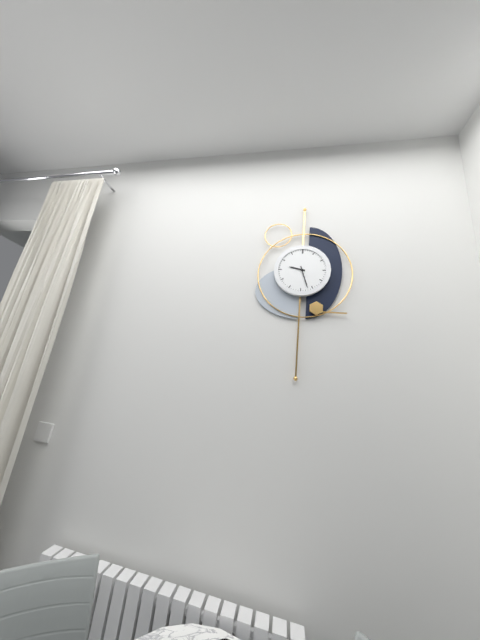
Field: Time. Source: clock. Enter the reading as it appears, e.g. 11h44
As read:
9h27
